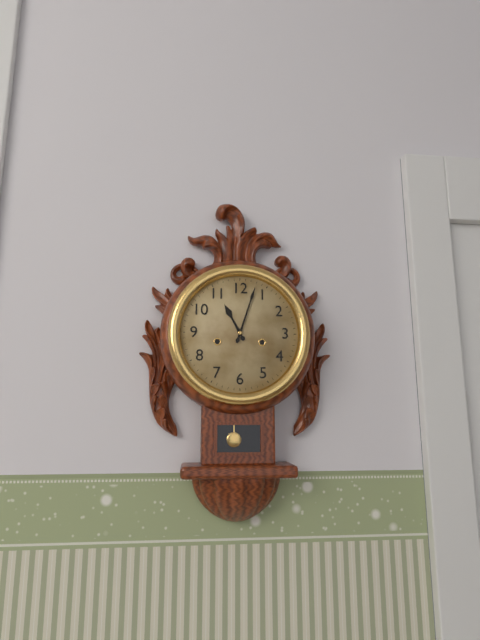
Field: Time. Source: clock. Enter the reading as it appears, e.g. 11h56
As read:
11h03
